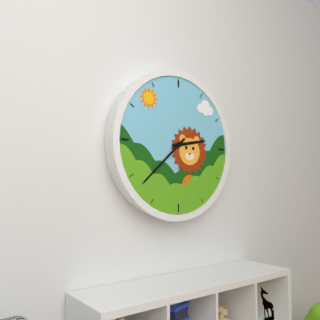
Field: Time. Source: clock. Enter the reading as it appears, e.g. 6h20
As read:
2h38
